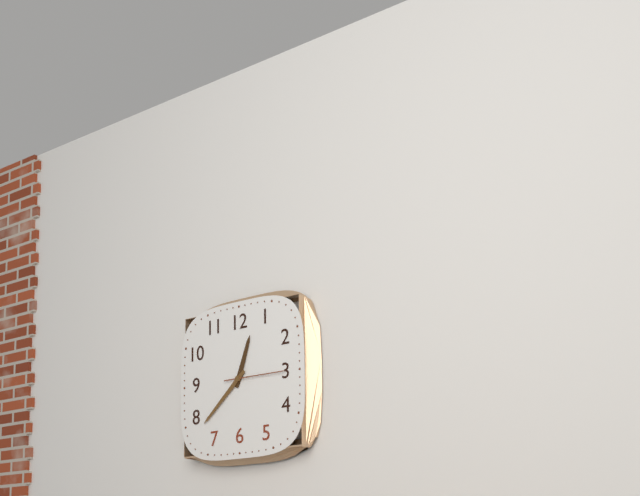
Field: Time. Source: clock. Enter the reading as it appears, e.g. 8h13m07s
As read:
12h38m15s
